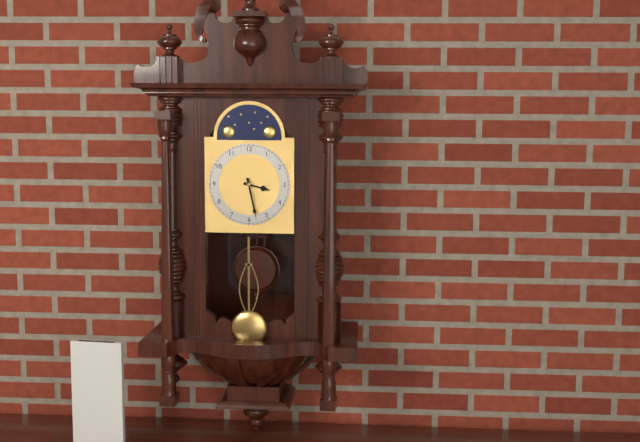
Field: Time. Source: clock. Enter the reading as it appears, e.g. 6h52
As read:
3h28
